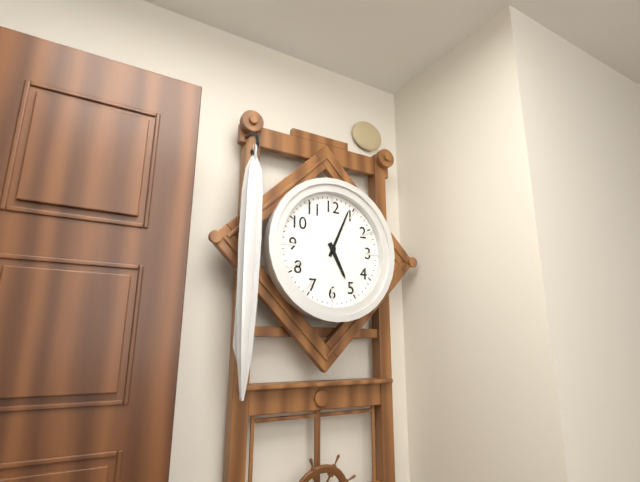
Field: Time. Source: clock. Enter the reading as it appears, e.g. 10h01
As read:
5h04
